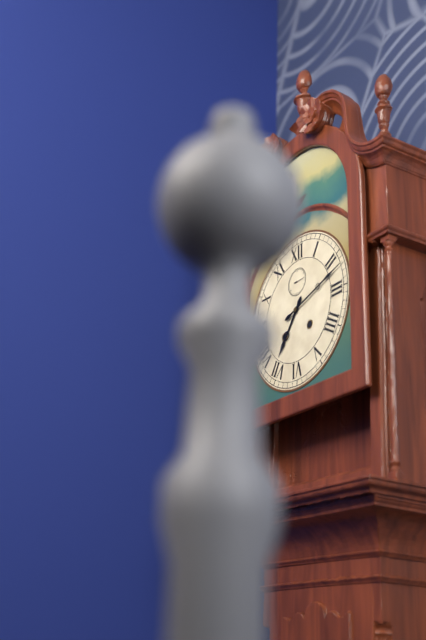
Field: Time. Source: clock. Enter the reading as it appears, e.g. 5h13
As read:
7h12
